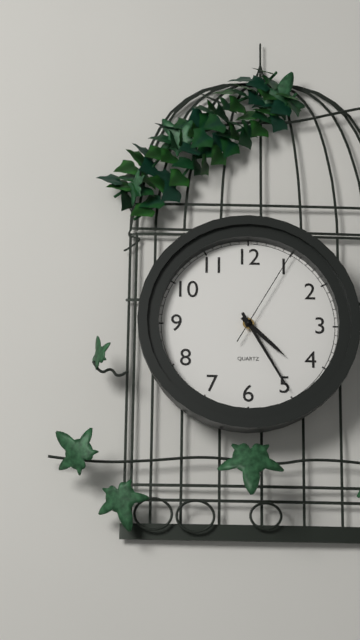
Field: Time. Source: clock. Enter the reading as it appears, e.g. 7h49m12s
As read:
4h25m05s
